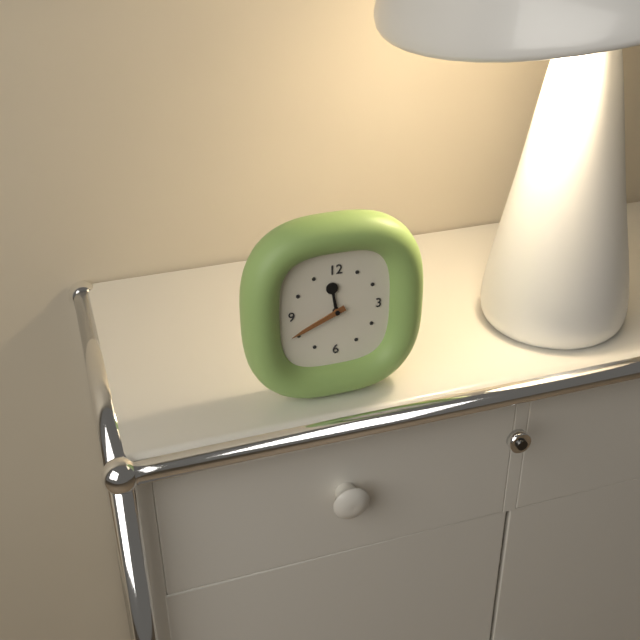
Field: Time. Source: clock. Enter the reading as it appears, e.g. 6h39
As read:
11h41
